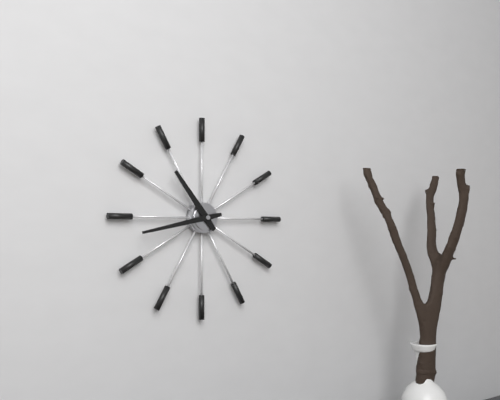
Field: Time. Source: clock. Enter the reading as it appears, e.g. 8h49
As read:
10h43
